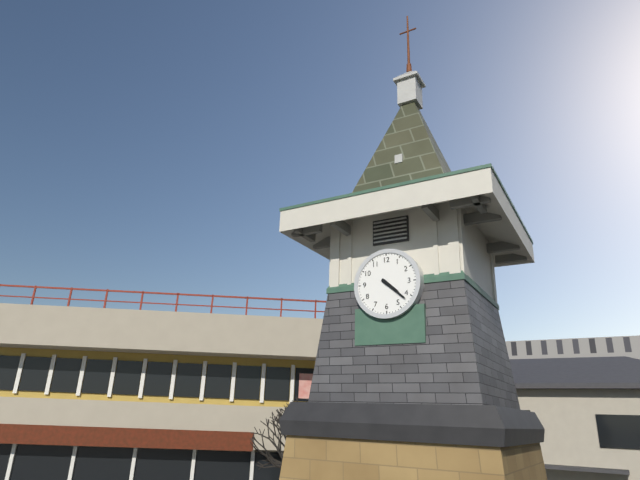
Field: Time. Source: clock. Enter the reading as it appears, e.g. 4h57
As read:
4h22
